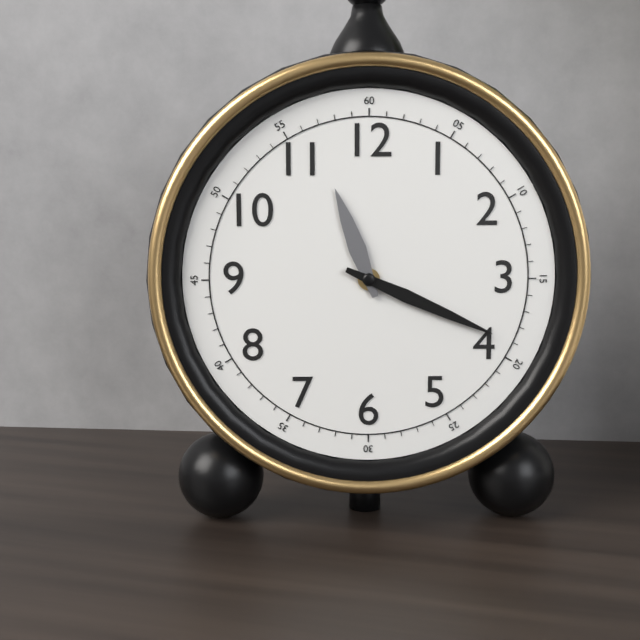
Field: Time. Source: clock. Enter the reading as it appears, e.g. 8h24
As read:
11h19
